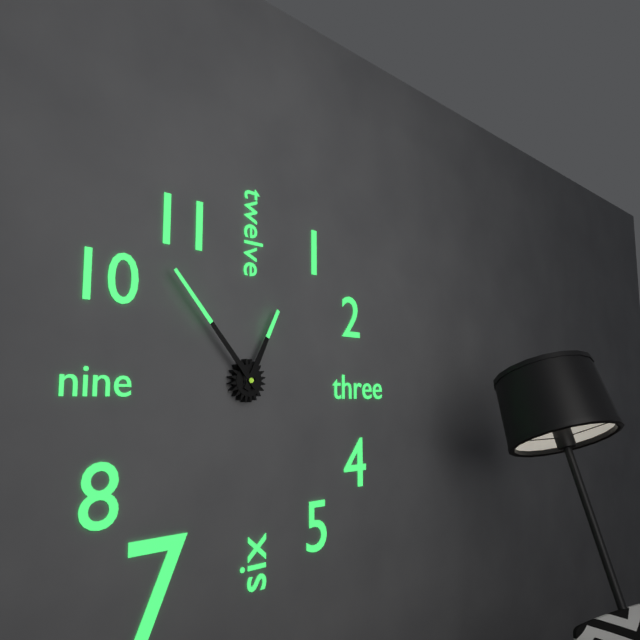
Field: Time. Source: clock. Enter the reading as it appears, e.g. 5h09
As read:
12h53
